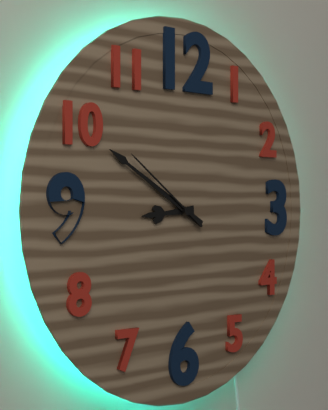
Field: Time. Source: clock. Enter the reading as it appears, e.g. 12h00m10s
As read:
8h50m51s
